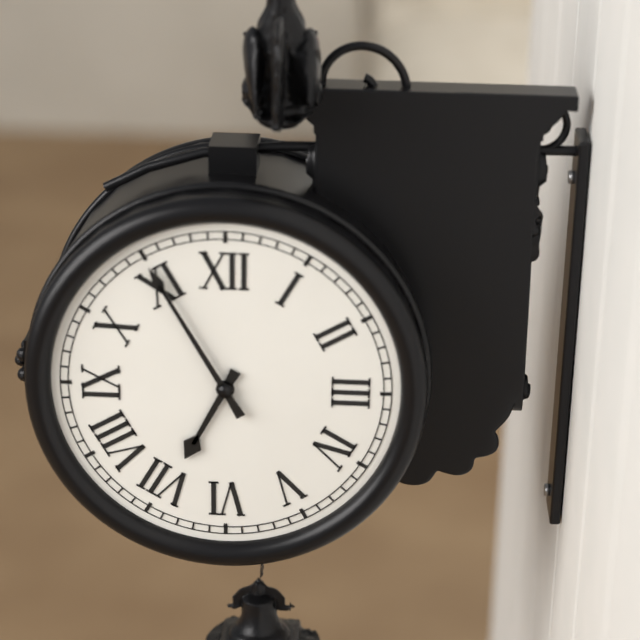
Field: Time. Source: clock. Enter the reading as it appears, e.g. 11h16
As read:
6h55
